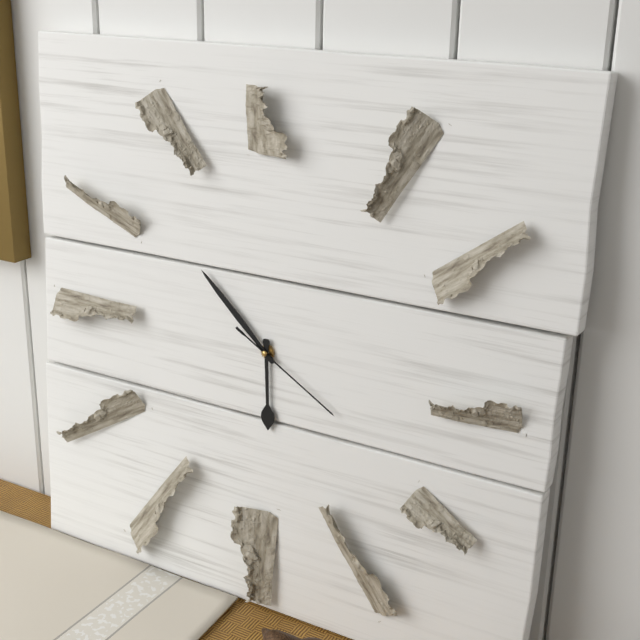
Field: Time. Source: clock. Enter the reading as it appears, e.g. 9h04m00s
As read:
5h52m20s
